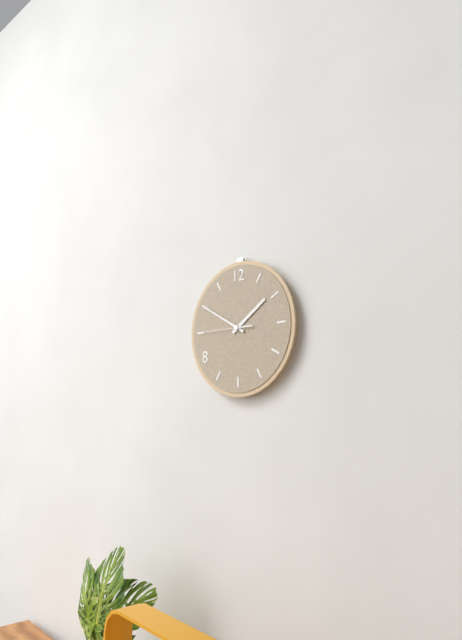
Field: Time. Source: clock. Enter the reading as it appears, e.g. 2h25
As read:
1h50
